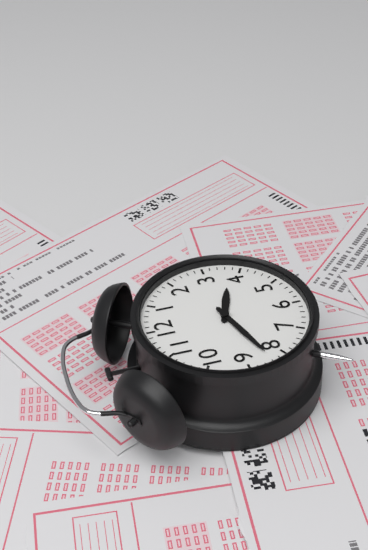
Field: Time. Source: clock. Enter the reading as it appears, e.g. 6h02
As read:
3h42
